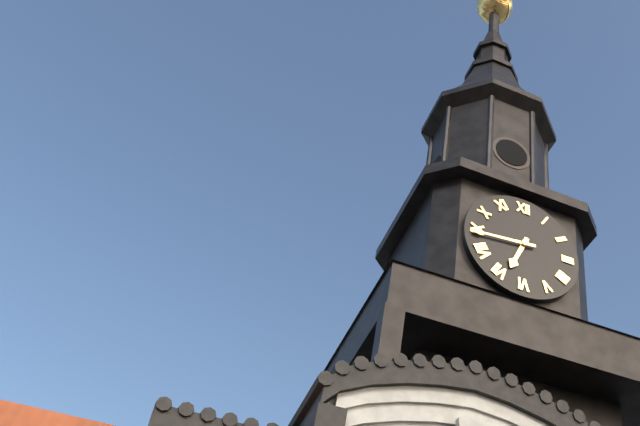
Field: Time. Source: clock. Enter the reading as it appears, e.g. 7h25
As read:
6h44
